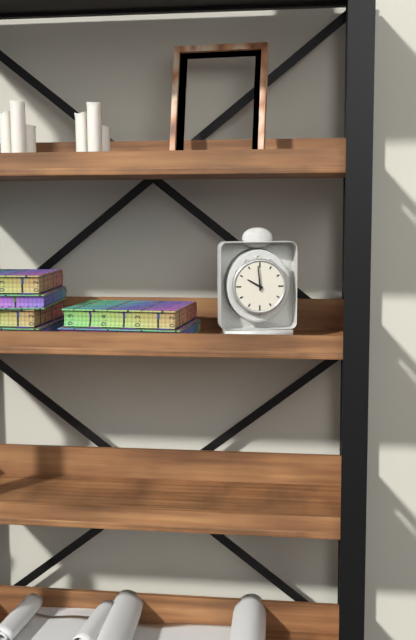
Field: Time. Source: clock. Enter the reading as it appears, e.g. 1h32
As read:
9h59
